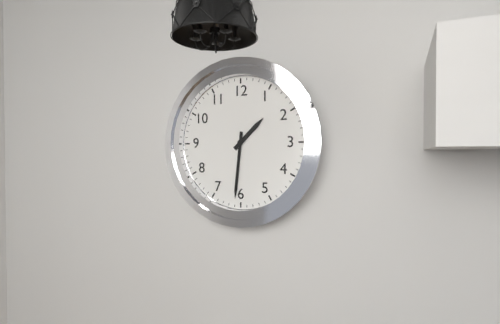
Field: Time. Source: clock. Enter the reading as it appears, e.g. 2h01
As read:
1h31
